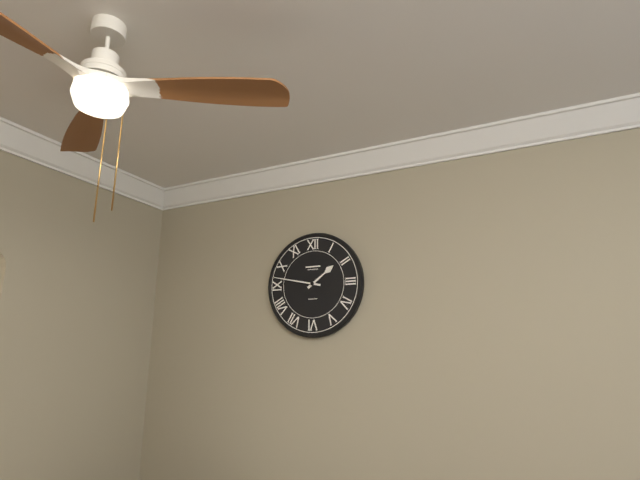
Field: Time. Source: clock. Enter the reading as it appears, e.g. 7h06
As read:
1h47
